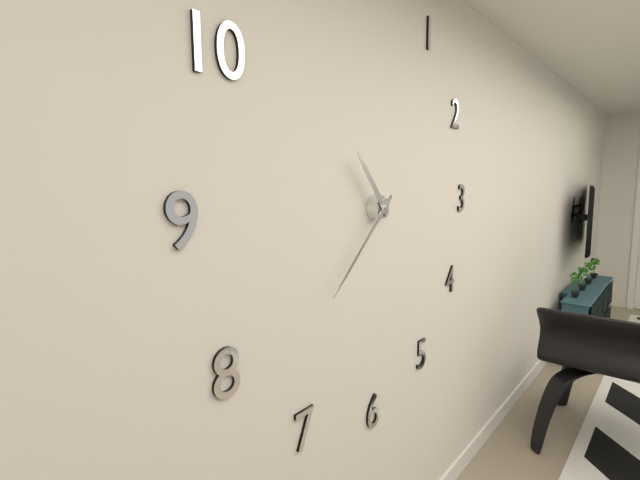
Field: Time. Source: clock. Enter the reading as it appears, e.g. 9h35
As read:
10h38
